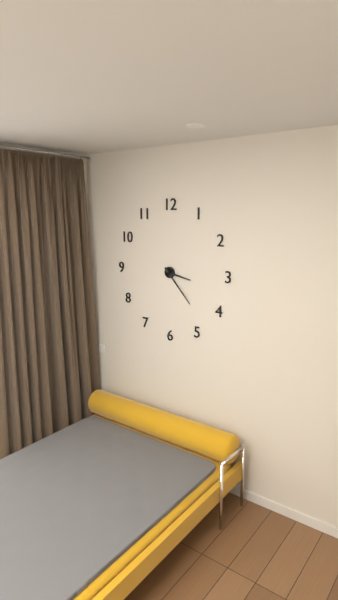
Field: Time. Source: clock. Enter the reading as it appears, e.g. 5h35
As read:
3h23
